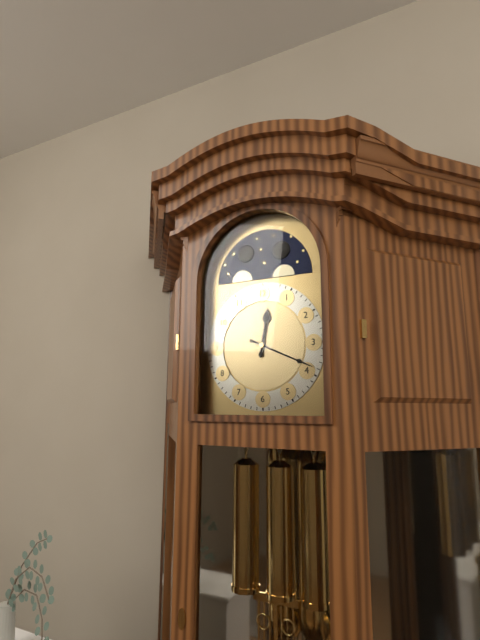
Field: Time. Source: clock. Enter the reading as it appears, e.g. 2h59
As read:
12h19
